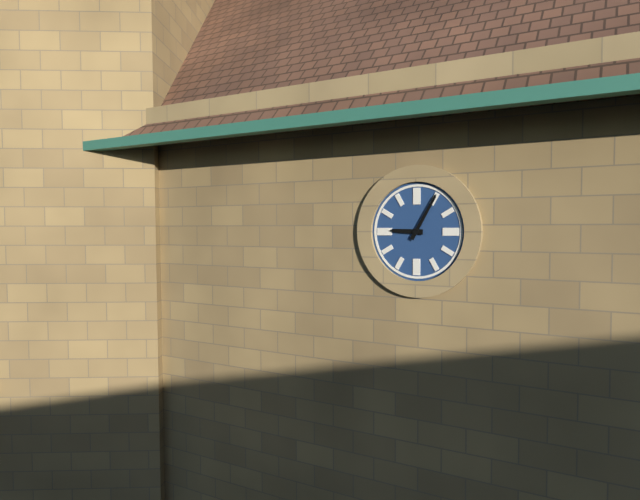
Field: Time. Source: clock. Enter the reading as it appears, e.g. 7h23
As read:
9h05
